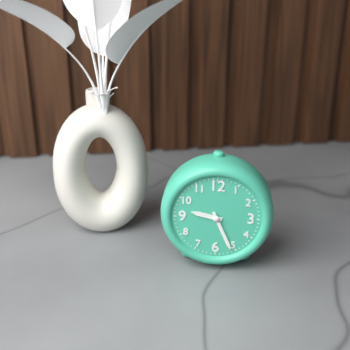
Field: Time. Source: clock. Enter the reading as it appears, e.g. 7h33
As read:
9h26
